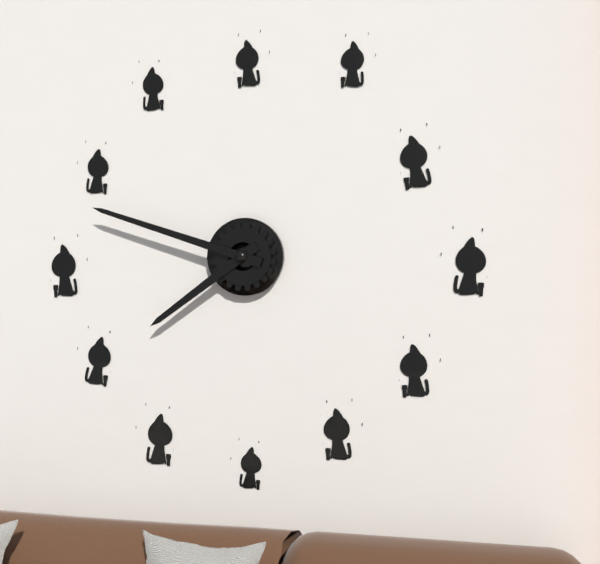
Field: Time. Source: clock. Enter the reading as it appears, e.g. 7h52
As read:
7h48
